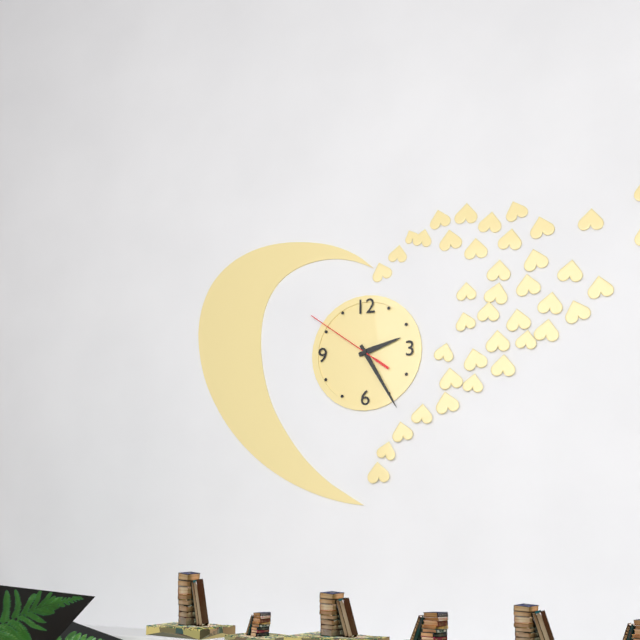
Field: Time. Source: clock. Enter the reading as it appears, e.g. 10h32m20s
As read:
2h25m51s
